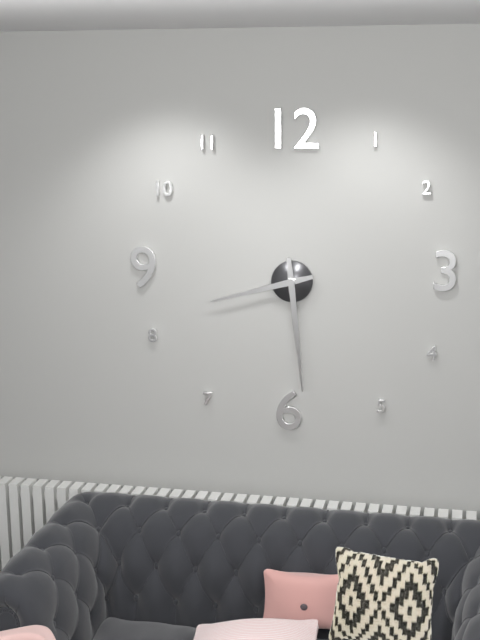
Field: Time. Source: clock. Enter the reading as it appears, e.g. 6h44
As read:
8h29
